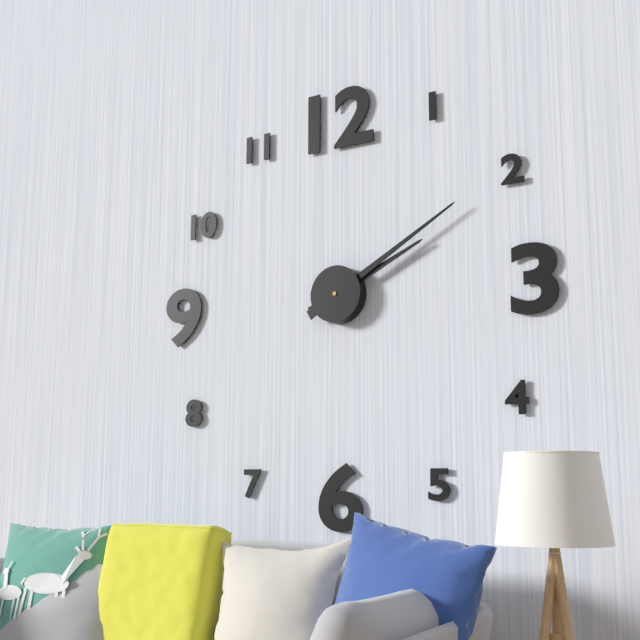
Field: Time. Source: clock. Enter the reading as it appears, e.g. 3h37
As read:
2h10
